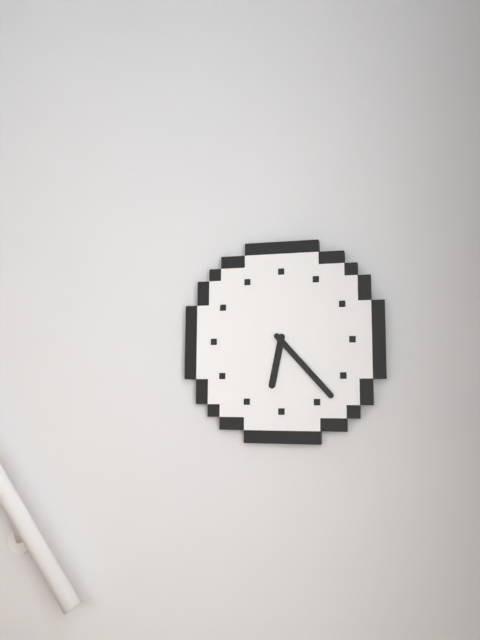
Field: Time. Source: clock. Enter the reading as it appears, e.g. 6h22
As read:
6h23
